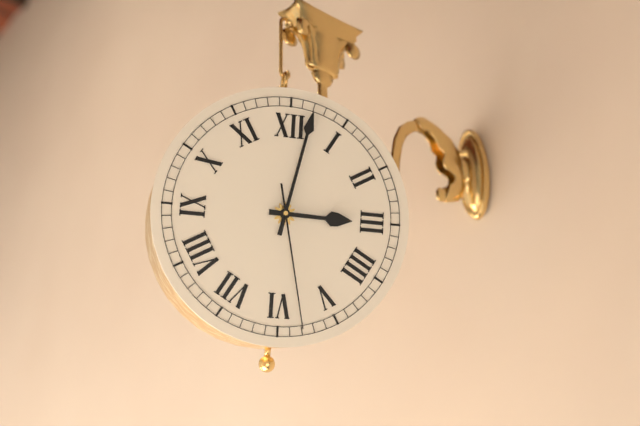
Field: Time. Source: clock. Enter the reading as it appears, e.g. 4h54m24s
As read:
3h02m28s
